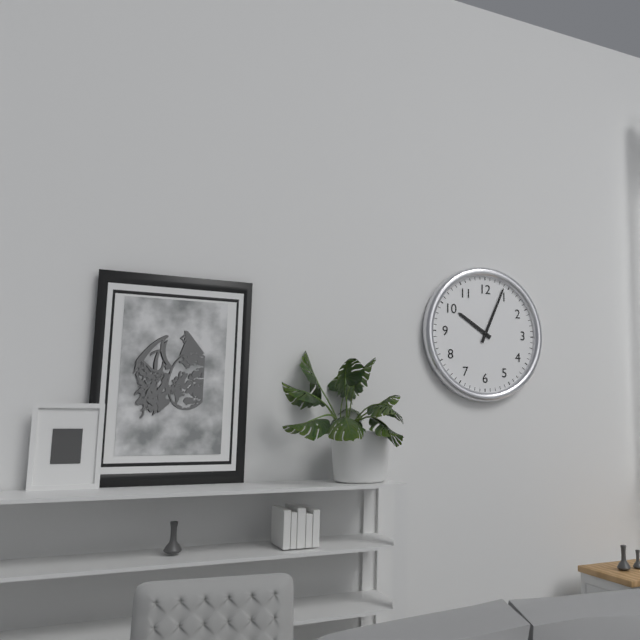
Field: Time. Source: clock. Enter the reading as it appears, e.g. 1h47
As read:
10h04
